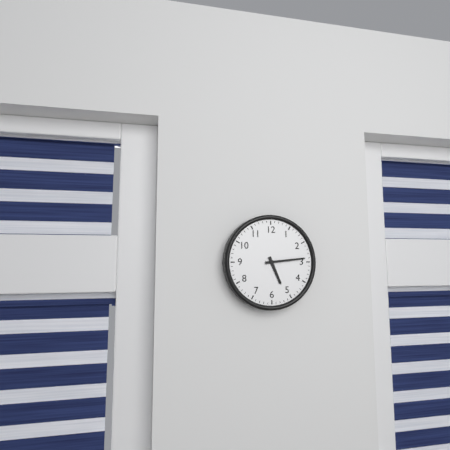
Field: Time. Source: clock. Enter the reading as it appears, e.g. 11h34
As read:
5h14
